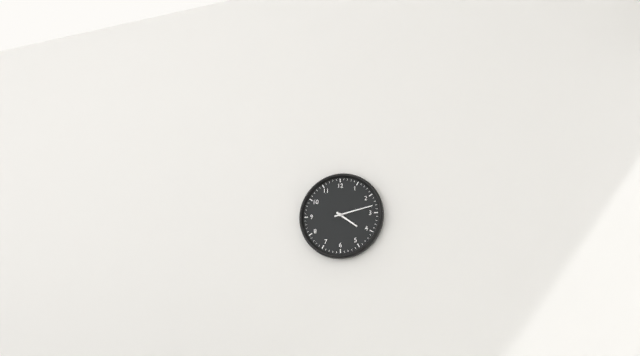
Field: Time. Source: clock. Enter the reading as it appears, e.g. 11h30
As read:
4h13
